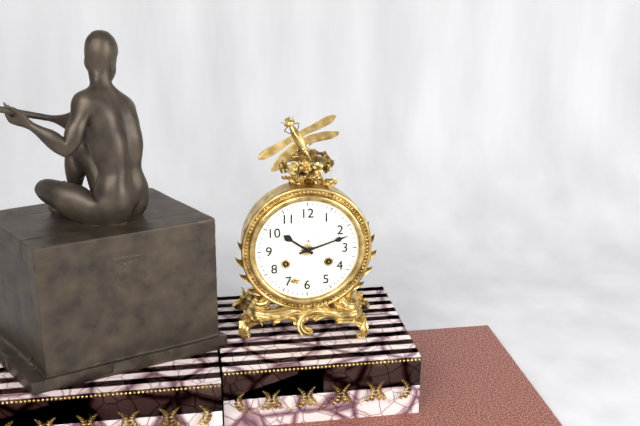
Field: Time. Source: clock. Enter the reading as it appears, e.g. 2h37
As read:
10h12
